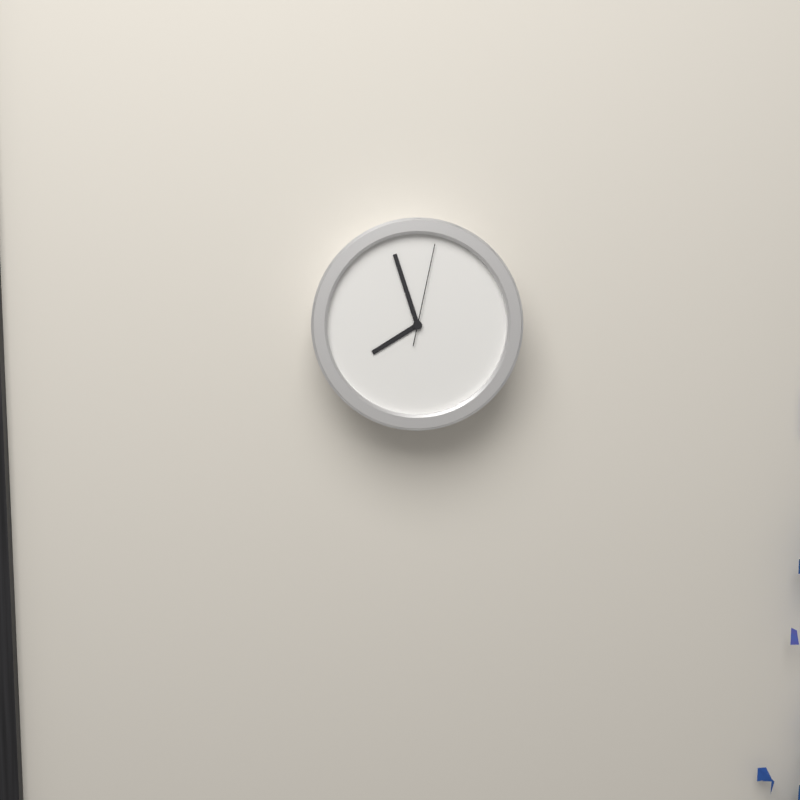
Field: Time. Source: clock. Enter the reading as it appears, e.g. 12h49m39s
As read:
7h57m02s
